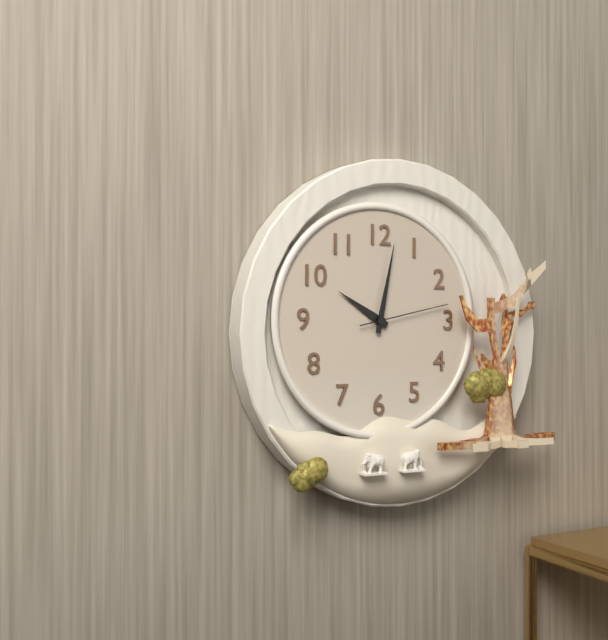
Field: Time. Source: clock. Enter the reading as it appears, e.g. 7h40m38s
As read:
10h02m13s
